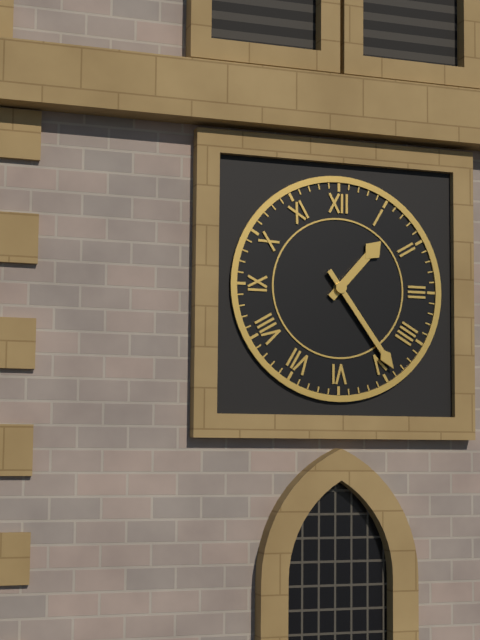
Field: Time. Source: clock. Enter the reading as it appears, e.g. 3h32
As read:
1h24
